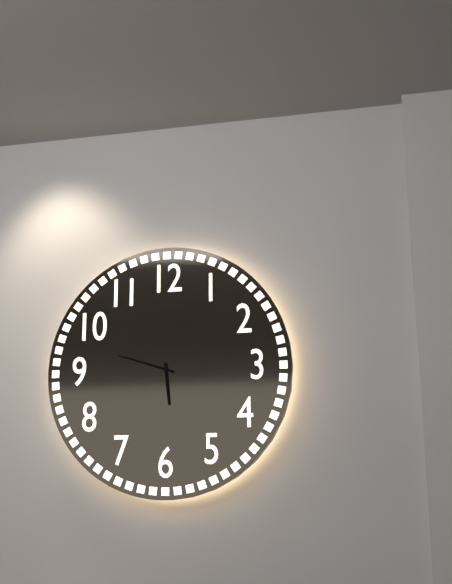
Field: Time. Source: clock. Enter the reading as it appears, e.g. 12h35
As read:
5h48
